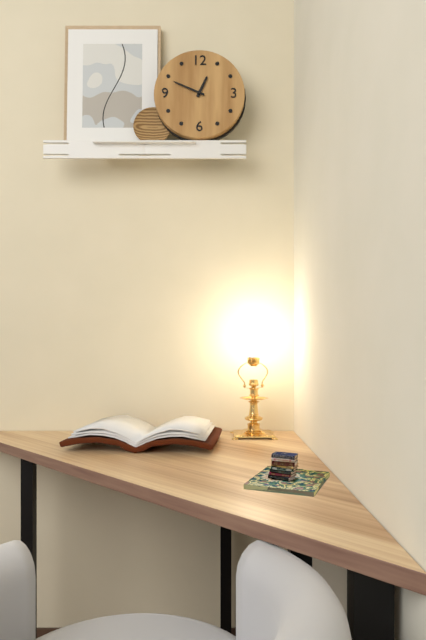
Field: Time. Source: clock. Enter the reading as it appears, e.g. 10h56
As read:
12h49
